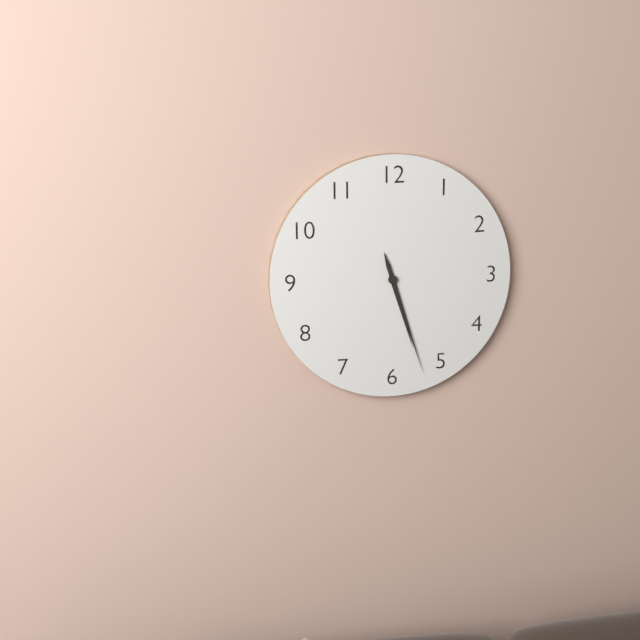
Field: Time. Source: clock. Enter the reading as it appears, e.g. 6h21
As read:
5h27
